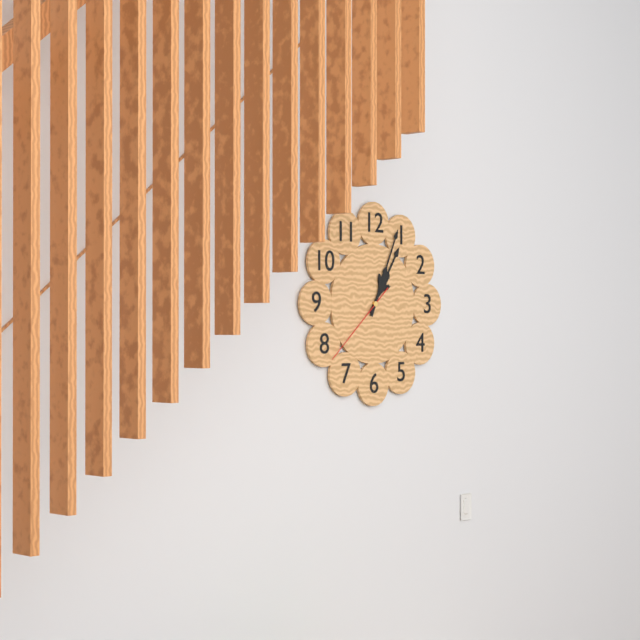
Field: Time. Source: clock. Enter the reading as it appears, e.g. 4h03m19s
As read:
1h04m38s
